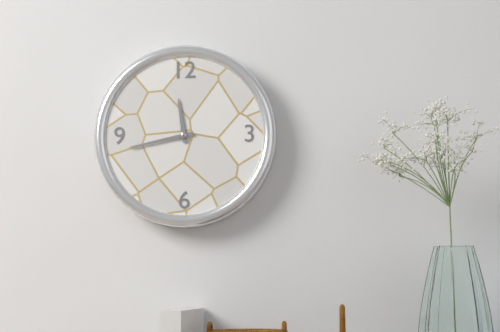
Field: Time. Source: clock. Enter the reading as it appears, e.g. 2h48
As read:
11h43
